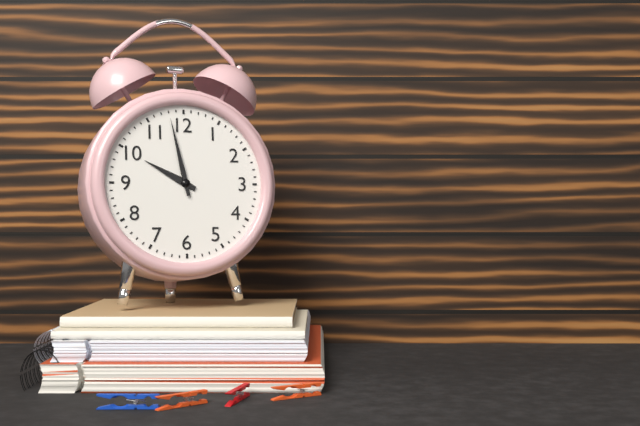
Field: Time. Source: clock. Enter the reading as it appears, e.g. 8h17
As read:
9h58
